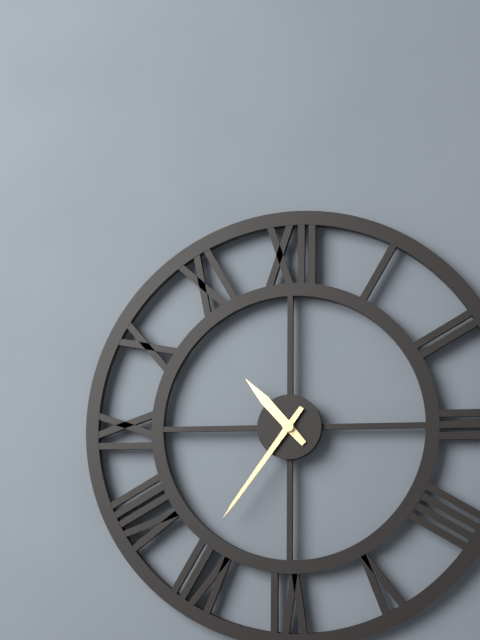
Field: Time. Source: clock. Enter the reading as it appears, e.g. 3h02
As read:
10h36
